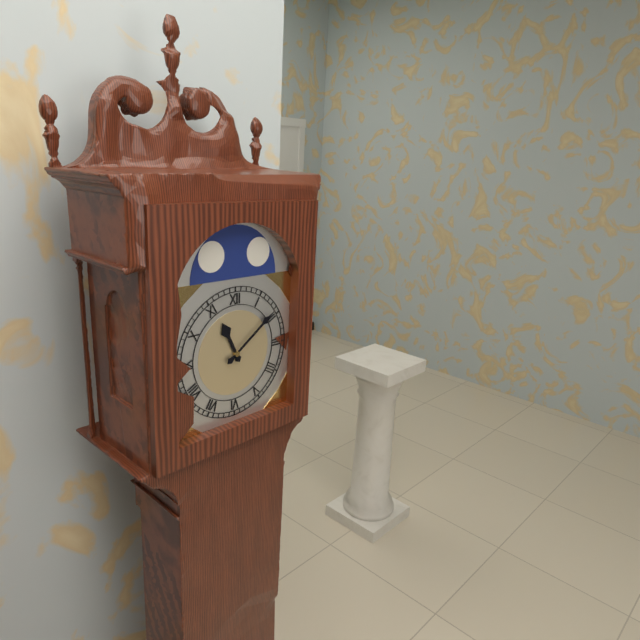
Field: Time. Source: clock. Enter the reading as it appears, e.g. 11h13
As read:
11h09
